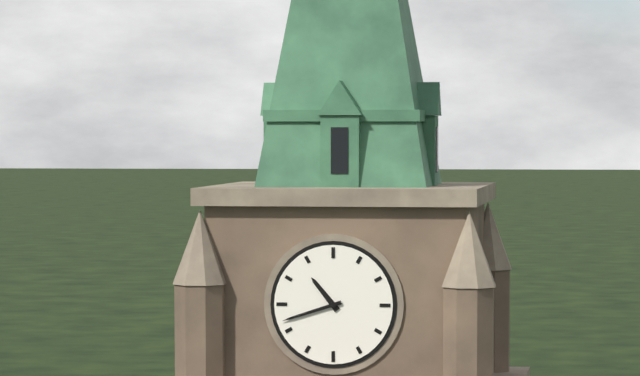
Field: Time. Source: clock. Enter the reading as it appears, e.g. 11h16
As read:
10h42
